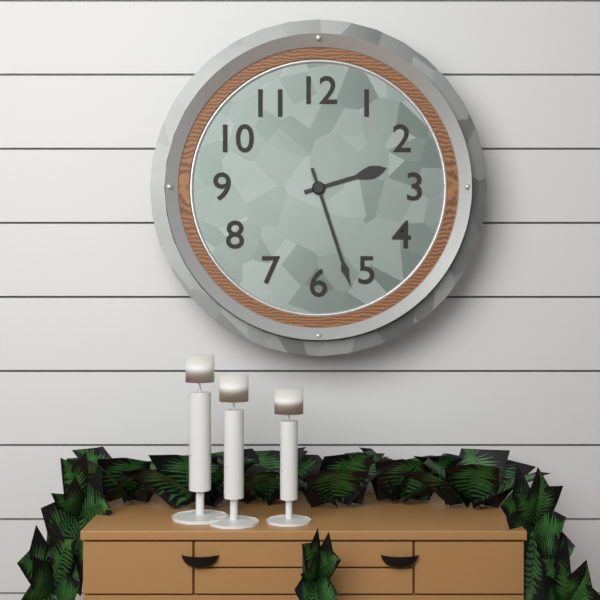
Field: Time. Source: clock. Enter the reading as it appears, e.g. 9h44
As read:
2h27
